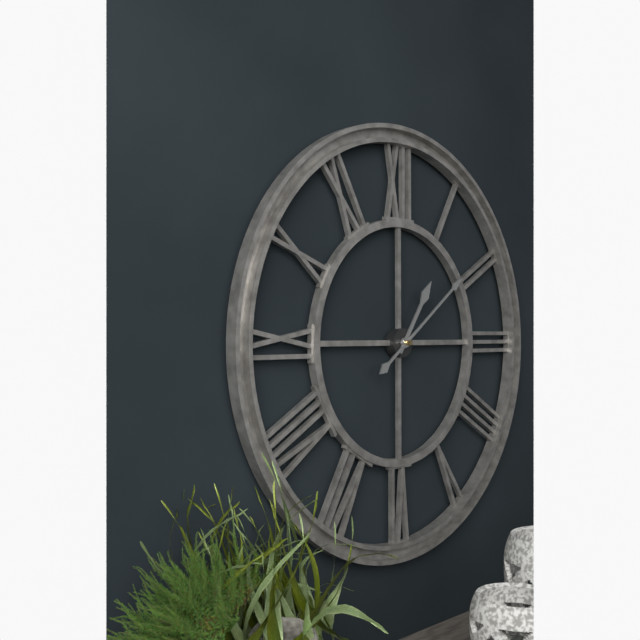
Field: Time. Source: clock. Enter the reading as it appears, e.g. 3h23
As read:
1h09
